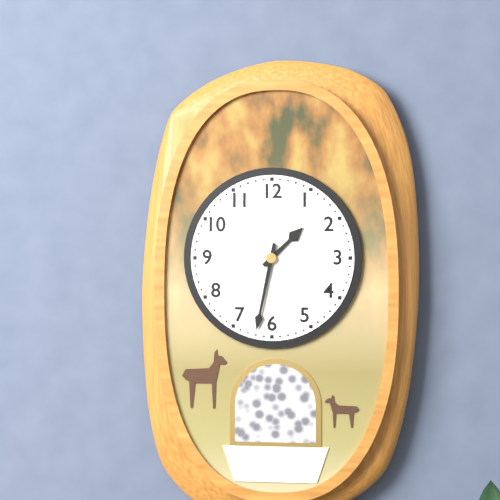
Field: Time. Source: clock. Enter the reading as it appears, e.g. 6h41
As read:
1h32
